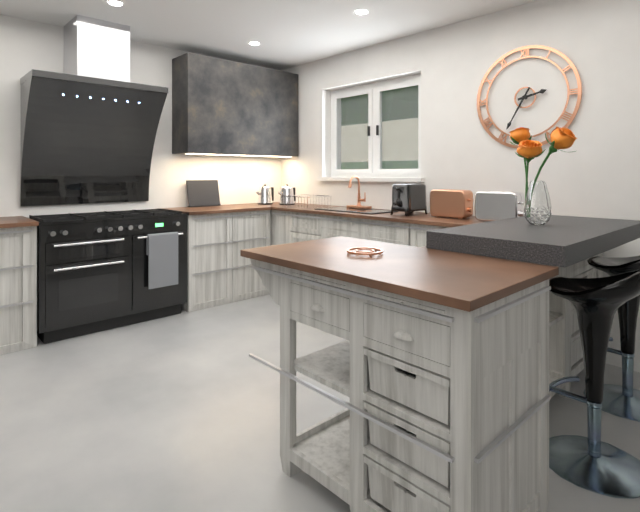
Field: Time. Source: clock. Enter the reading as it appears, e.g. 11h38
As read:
2h35
